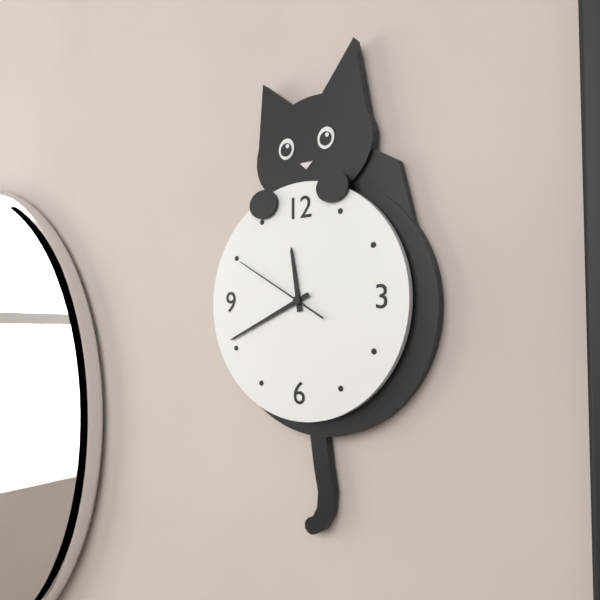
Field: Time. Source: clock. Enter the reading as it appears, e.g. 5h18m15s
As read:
11h41m50s
